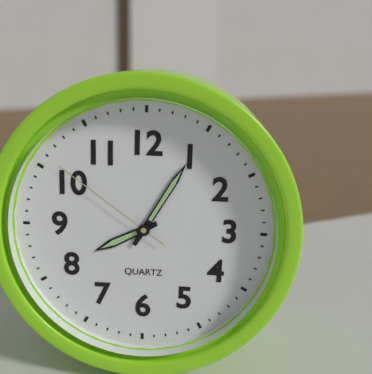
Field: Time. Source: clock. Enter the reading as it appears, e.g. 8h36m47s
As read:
8h05m51s
